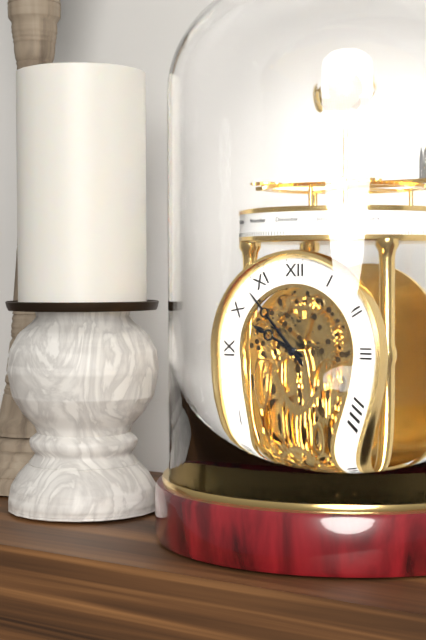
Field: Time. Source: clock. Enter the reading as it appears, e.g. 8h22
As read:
9h53
